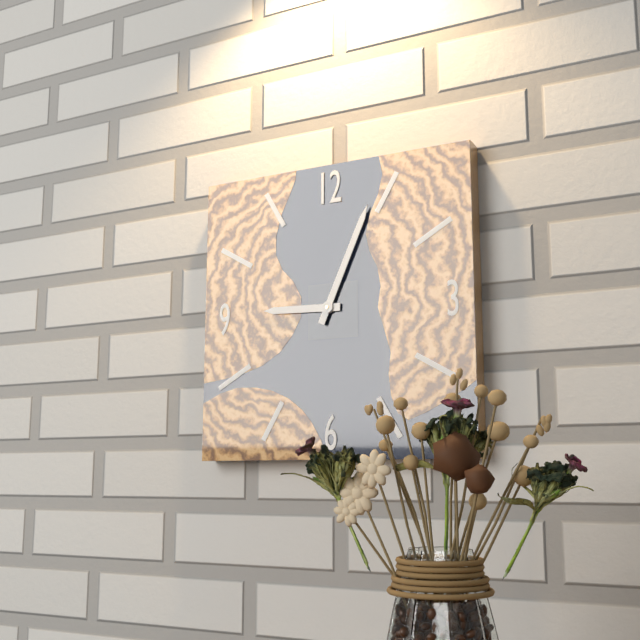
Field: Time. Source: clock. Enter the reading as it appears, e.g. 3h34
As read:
9h04
